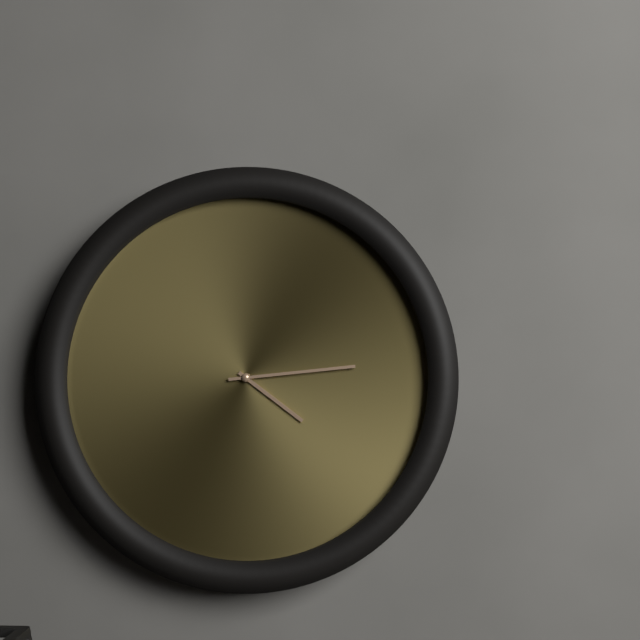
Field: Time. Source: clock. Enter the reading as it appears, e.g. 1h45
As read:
4h14
